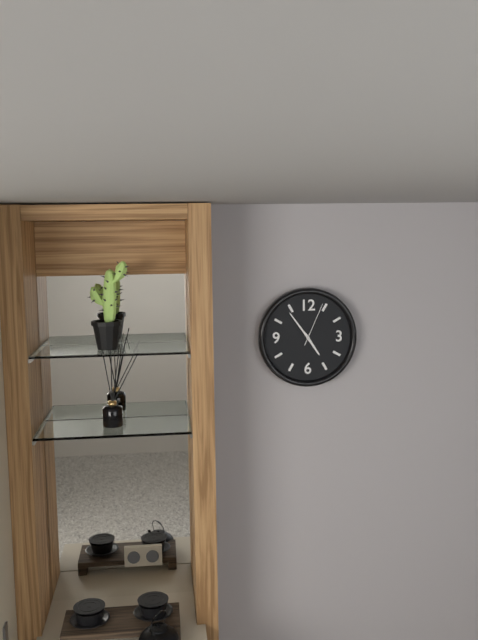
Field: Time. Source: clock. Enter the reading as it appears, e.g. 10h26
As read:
4h54
